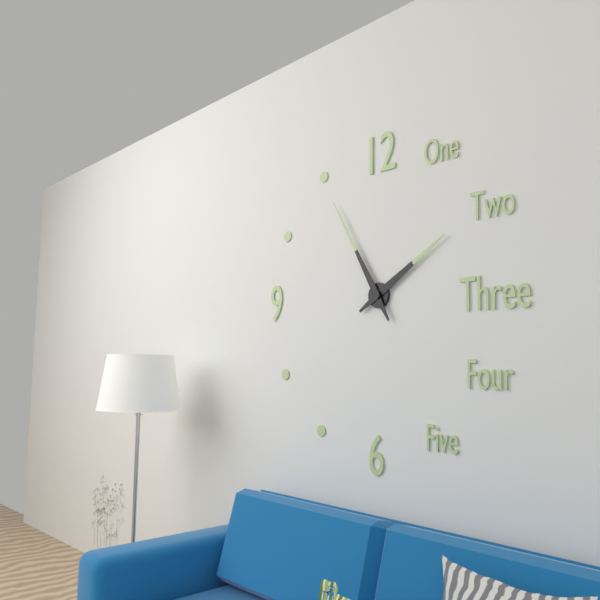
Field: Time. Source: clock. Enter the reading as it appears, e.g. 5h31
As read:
1h55
